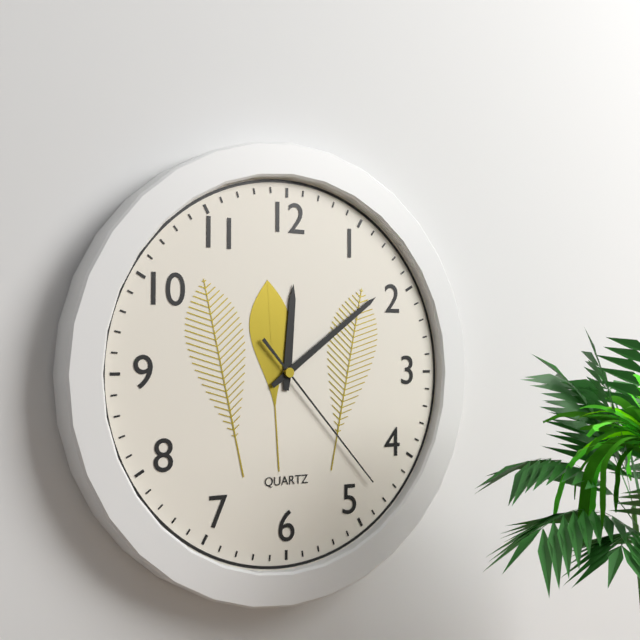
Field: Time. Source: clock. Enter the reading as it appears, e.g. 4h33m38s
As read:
12h09m23s
